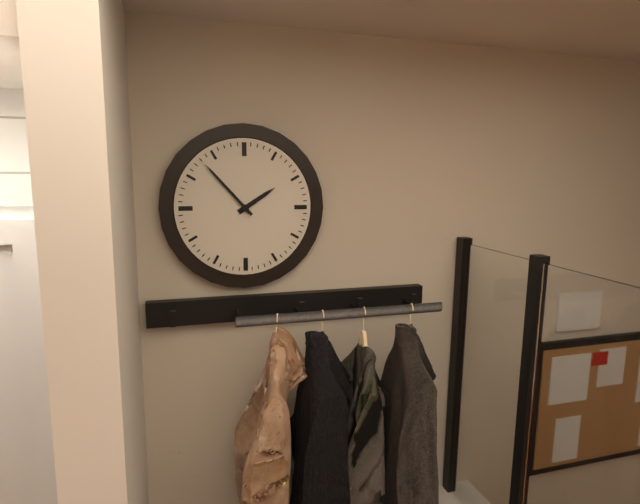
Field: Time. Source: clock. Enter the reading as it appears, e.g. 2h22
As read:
1h53
